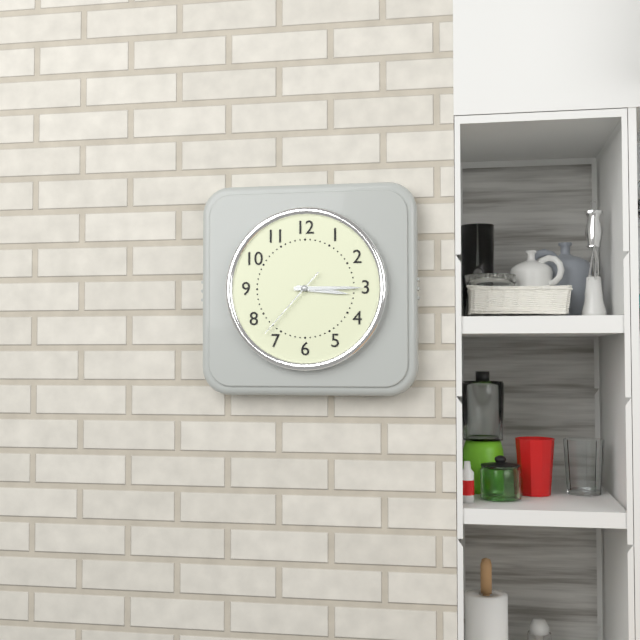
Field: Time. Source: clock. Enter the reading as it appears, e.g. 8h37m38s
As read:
3h15m37s
